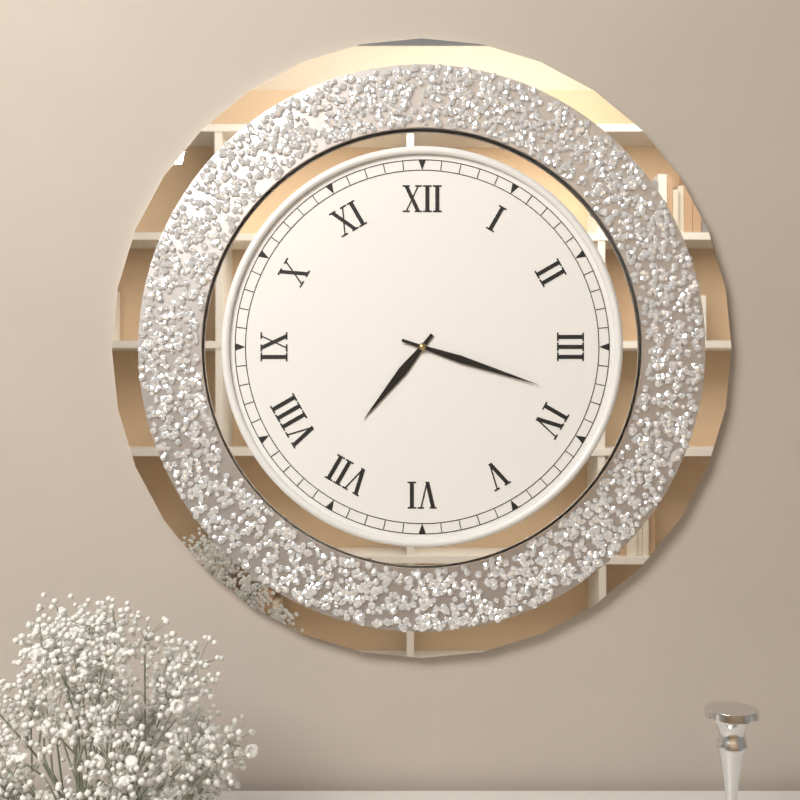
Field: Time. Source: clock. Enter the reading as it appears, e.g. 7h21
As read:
7h18
